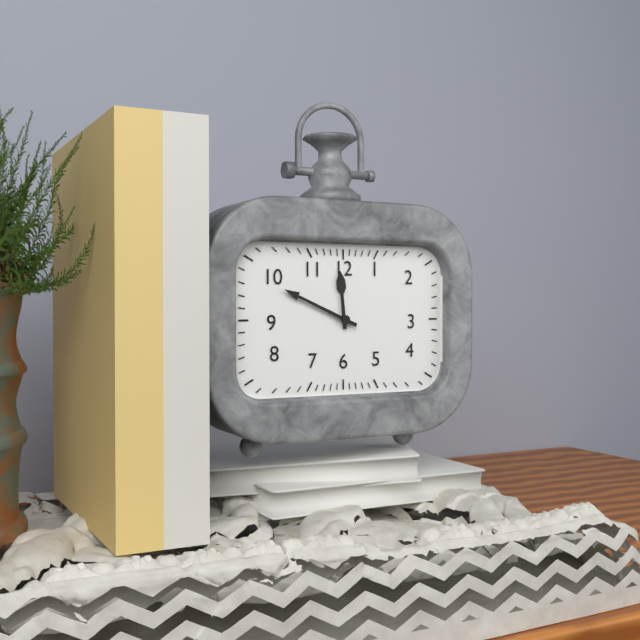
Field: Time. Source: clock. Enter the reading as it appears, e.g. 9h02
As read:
11h49
